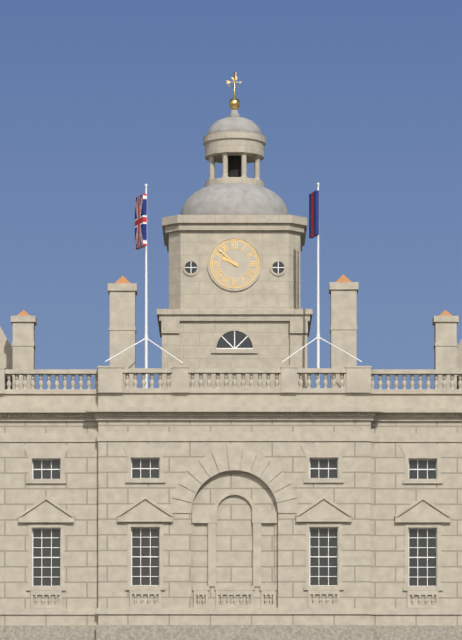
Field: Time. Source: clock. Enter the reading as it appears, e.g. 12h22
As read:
9h52
